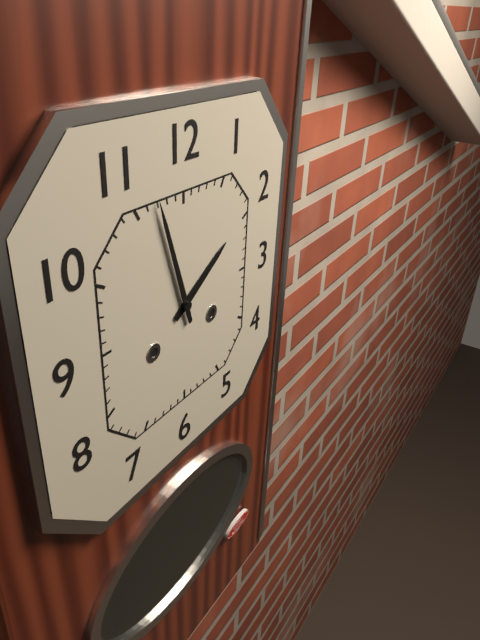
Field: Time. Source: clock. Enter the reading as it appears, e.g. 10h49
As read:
1h57
